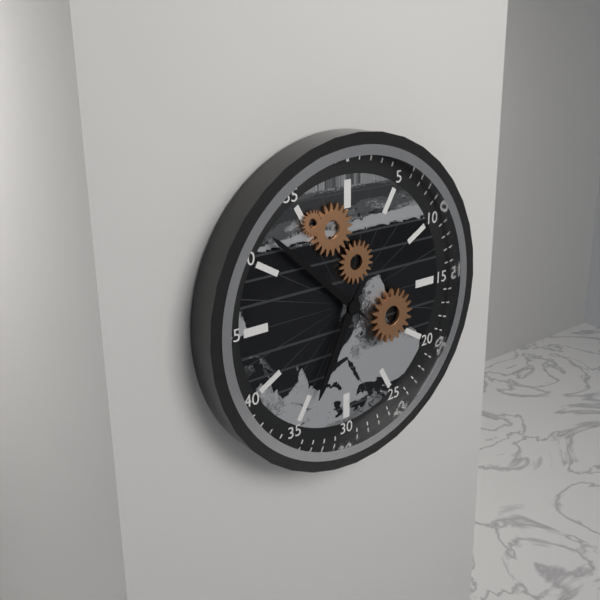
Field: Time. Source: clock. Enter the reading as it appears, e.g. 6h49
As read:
6h52
